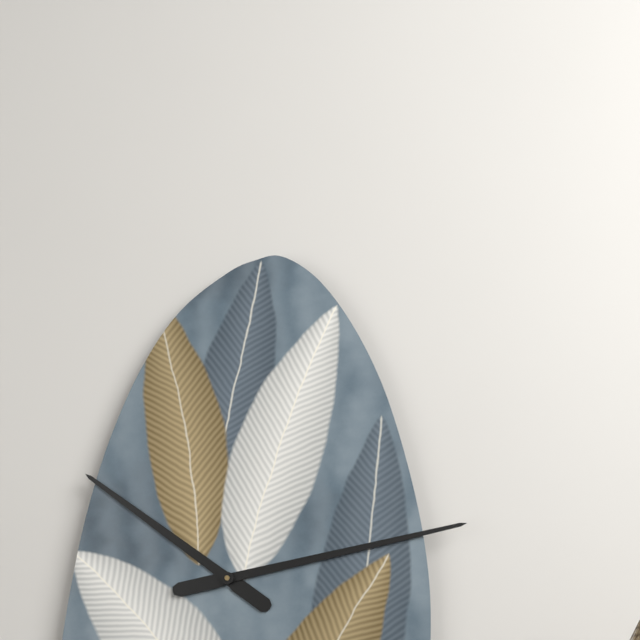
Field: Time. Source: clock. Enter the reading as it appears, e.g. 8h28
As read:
10h13
